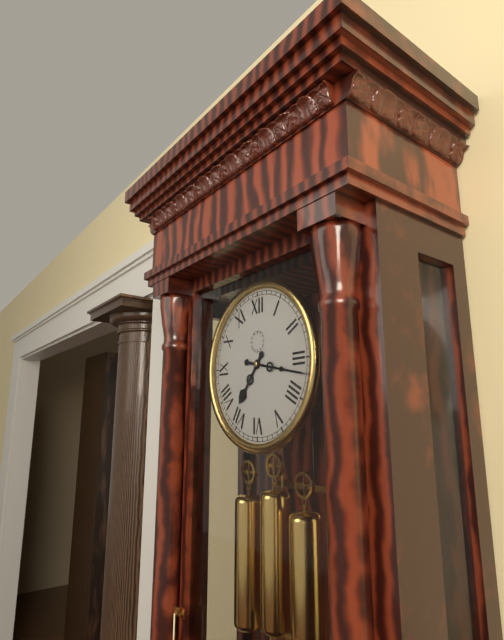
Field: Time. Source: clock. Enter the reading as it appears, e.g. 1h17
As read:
7h17
